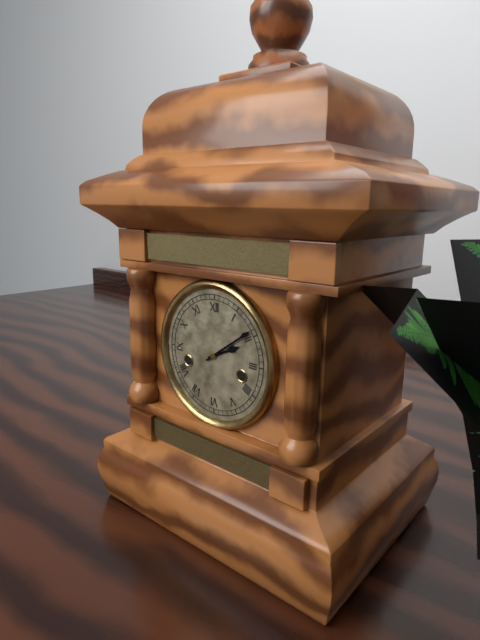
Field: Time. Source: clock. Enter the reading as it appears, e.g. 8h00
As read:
2h09
